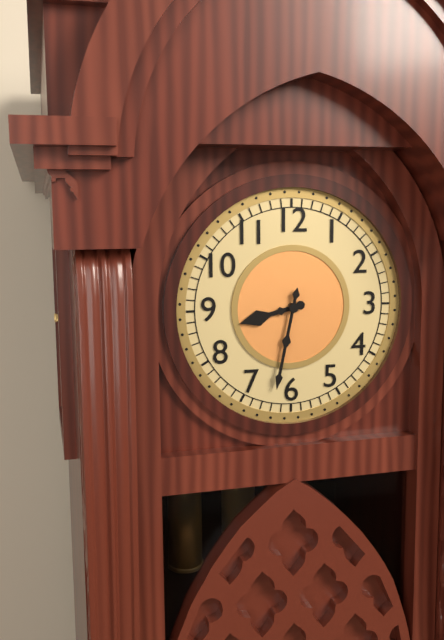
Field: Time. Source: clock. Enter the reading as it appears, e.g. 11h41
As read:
8h32
